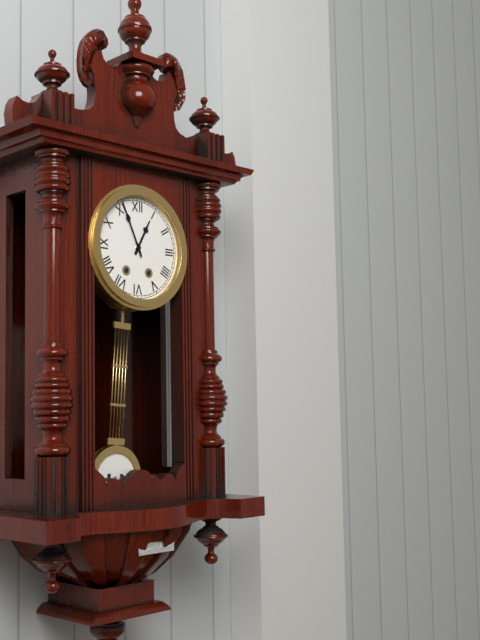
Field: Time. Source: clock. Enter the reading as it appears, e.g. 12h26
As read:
12h56
